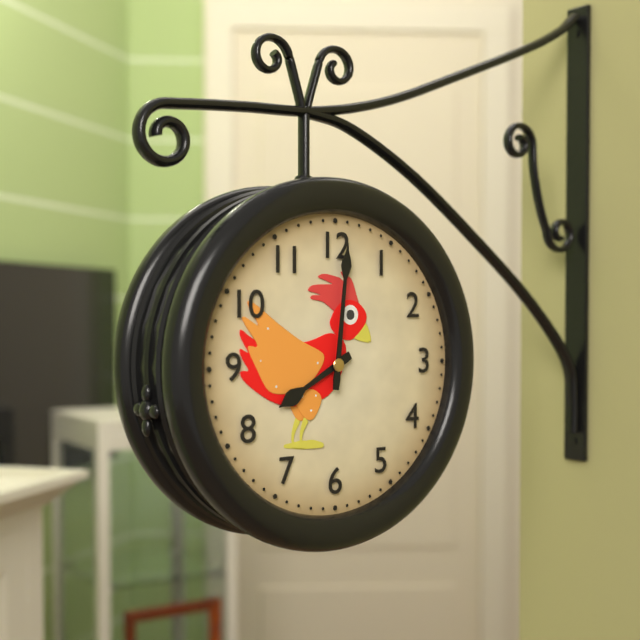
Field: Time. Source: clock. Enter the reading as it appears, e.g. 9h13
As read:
8h01
